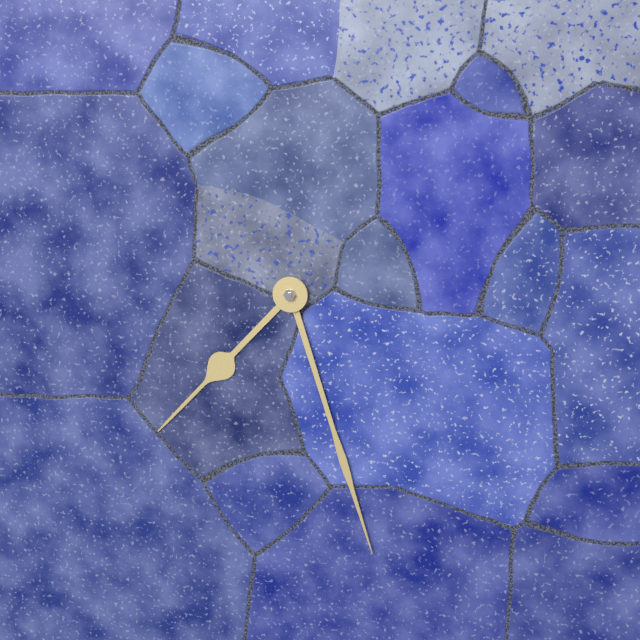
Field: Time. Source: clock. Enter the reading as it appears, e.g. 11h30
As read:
7h27
